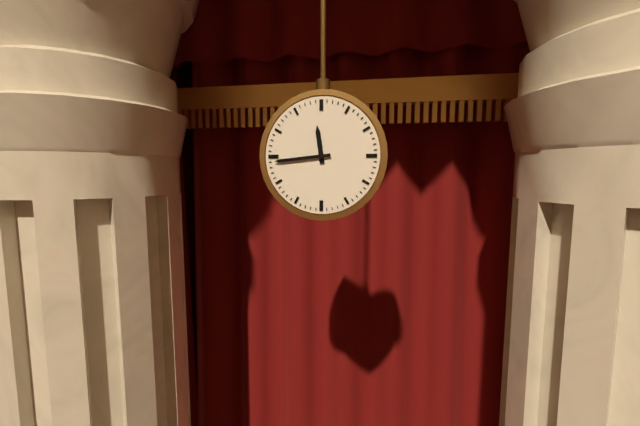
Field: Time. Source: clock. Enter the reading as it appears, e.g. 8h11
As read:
11h44
